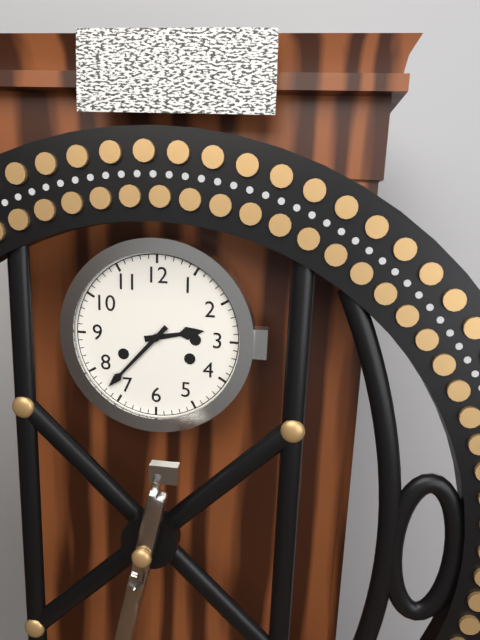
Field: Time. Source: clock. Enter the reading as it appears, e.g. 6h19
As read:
2h37
